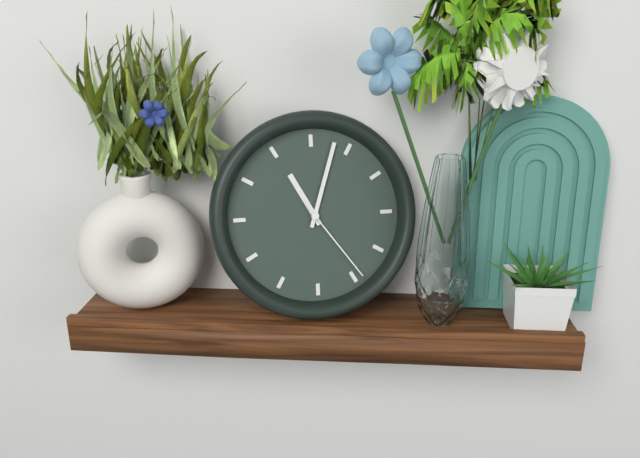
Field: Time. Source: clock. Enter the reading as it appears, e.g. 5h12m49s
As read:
11h03m24s
